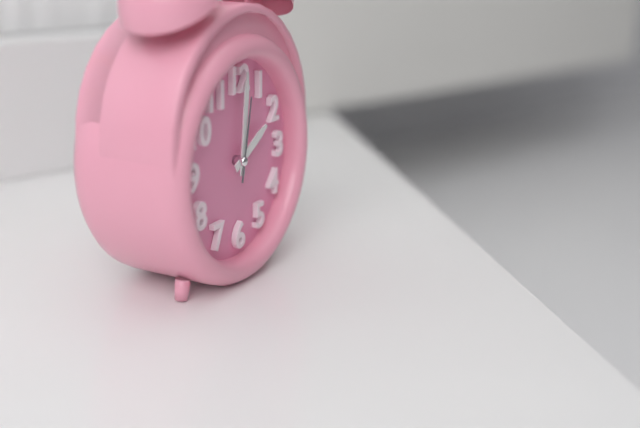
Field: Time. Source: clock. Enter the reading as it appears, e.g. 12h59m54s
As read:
2h01m02s
